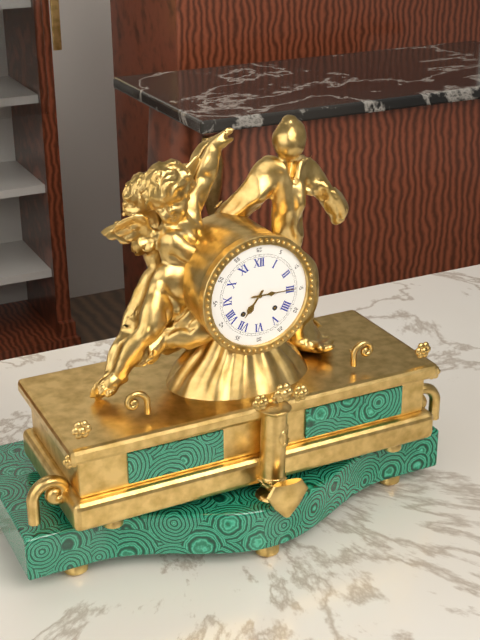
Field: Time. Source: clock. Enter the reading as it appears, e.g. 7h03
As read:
7h15
